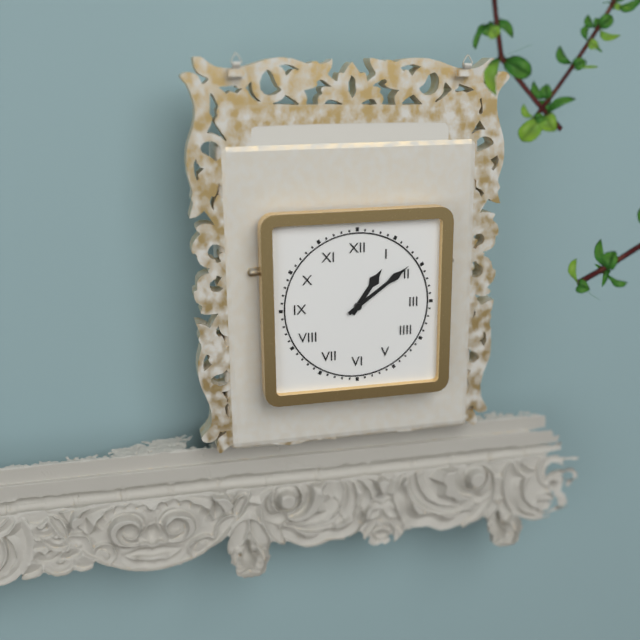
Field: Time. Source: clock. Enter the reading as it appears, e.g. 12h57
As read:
1h09
